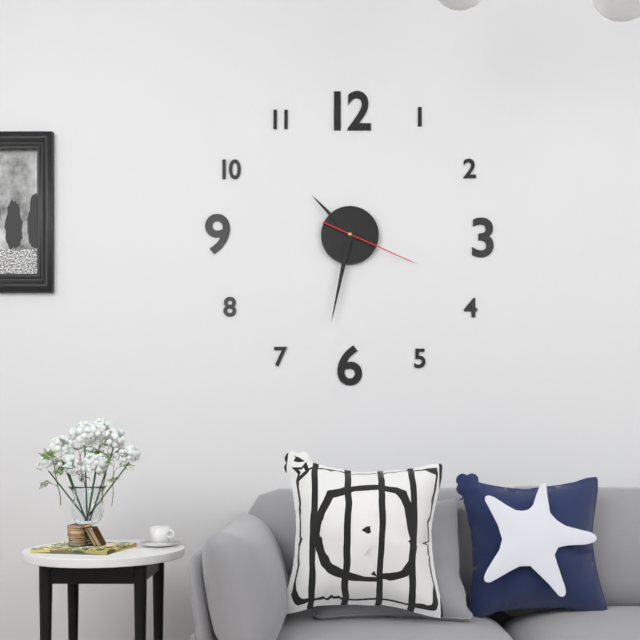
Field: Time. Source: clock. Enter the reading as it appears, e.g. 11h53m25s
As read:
10h32m19s
